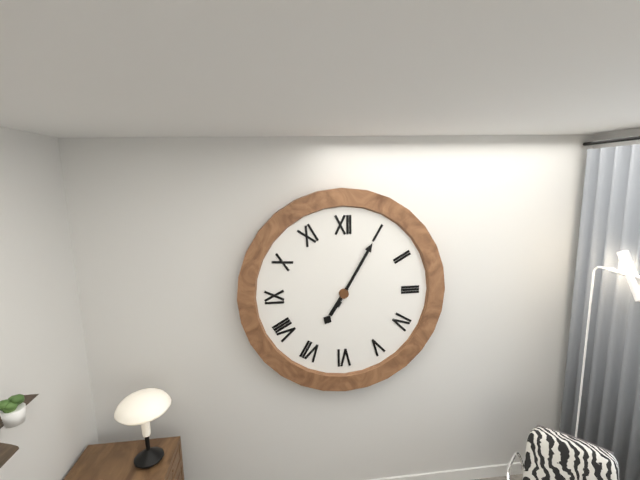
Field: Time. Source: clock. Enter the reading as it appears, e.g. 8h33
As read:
7h05
